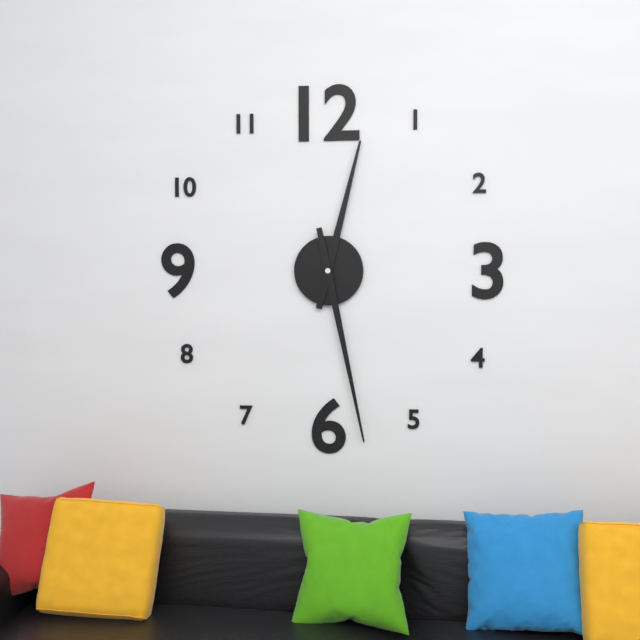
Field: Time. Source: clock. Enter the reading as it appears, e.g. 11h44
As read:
12h28
